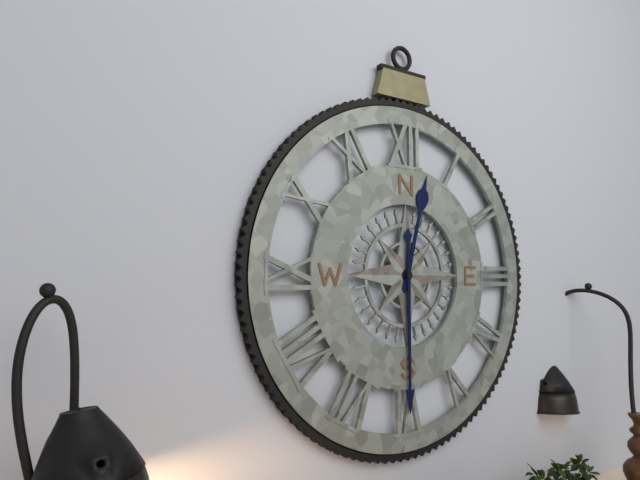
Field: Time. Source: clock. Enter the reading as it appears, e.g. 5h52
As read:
12h30
